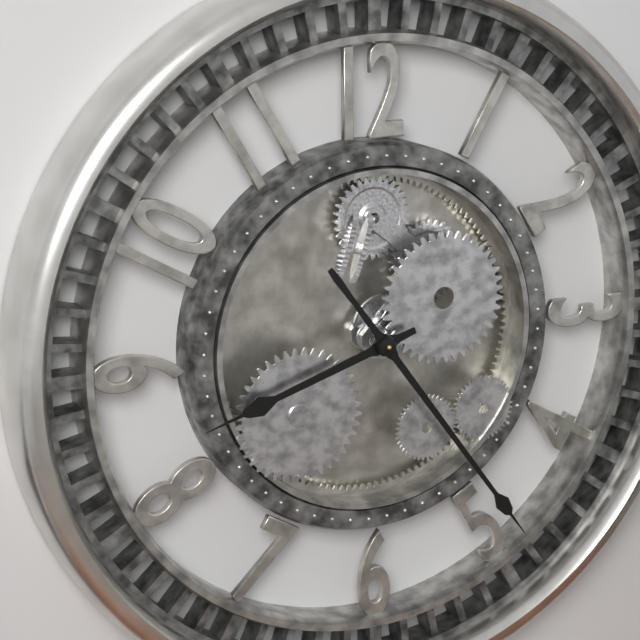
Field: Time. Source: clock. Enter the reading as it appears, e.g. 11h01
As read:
8h24
